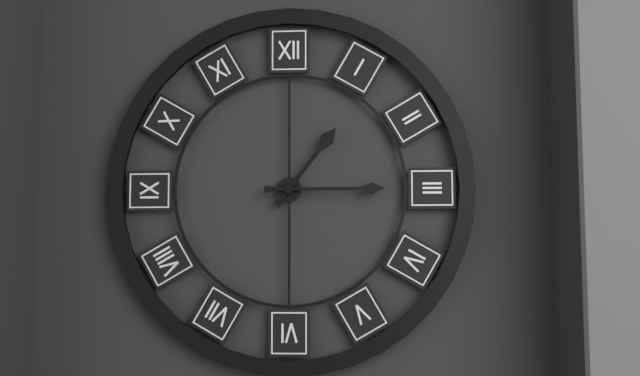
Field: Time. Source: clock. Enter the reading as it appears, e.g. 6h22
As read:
1h15
